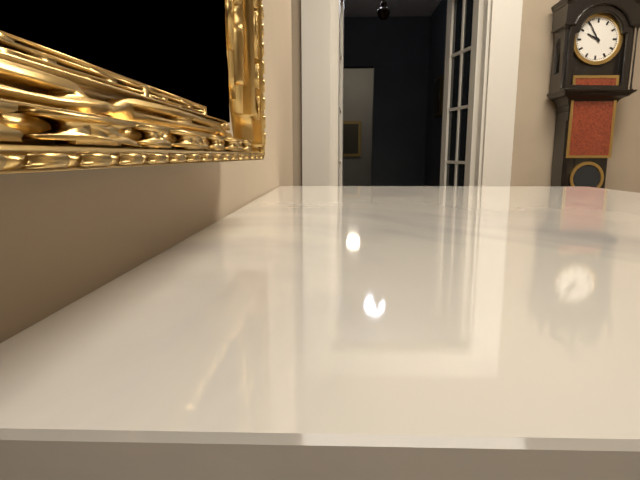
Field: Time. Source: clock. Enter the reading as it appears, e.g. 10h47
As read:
9h55
